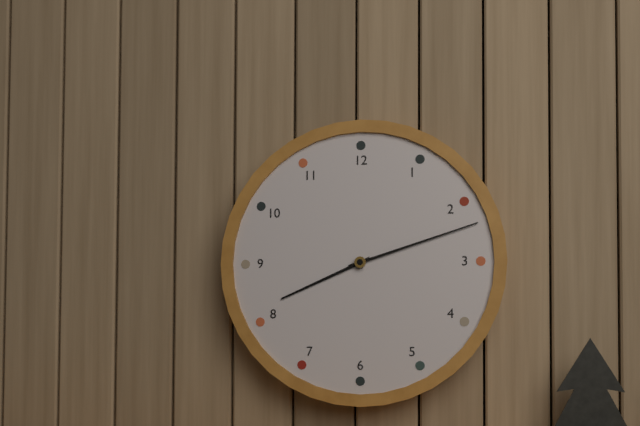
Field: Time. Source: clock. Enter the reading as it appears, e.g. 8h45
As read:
8h12
